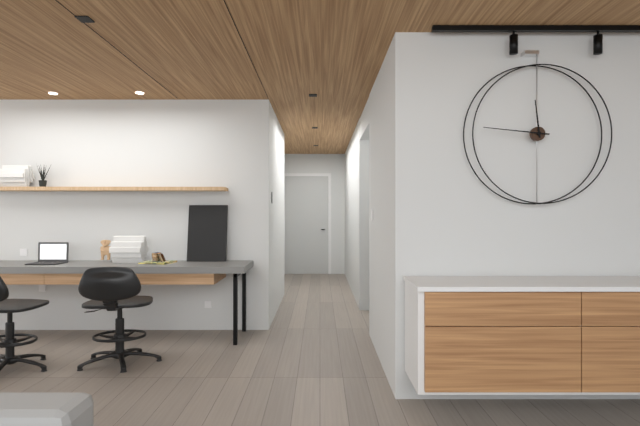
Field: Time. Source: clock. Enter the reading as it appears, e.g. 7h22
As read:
11h46
